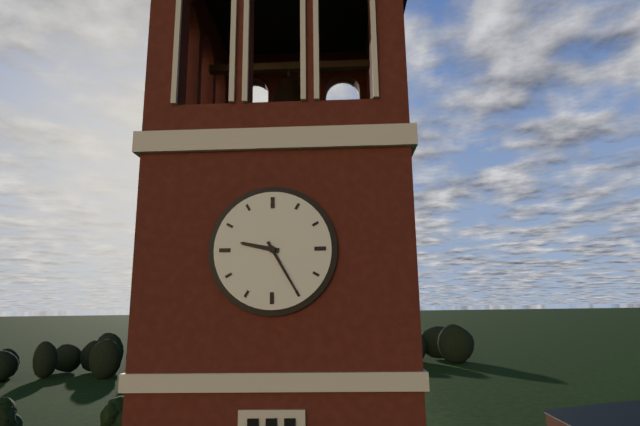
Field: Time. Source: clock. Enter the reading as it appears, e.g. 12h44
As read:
9h25
